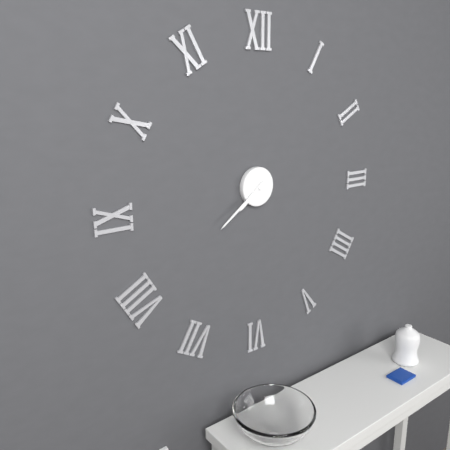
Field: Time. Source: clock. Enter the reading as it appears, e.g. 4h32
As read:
7h39
